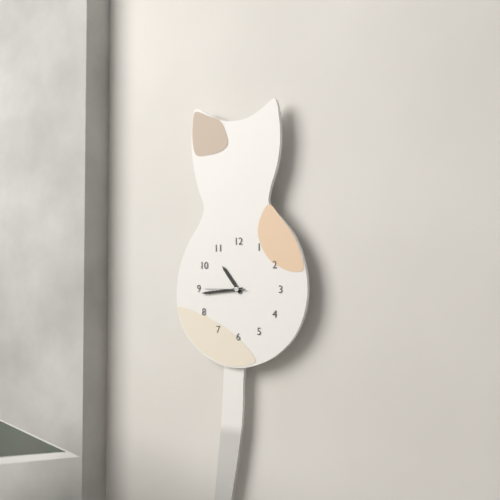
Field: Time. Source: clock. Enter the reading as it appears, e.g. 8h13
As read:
10h44
